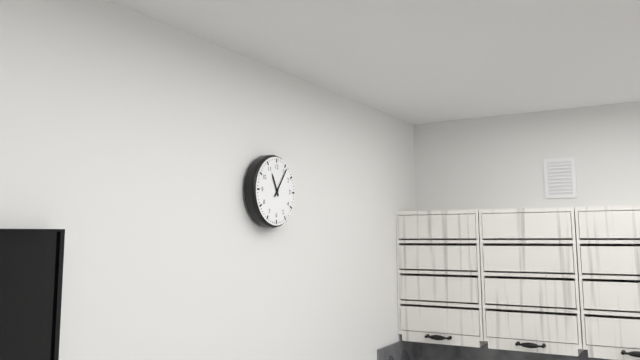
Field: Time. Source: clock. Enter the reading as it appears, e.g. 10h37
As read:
11h06
